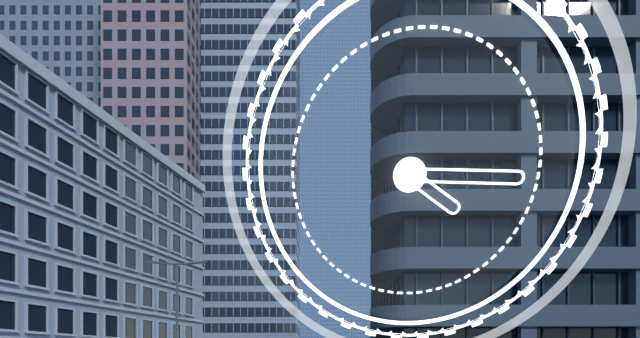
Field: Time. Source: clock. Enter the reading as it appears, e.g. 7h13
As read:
4h16
